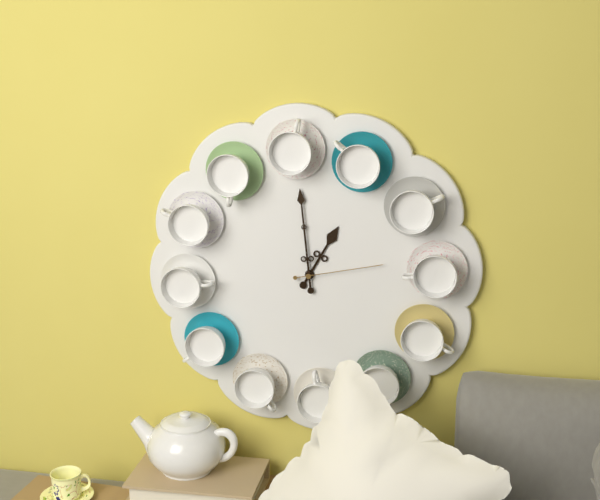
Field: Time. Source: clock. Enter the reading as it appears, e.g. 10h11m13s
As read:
12h59m13s
